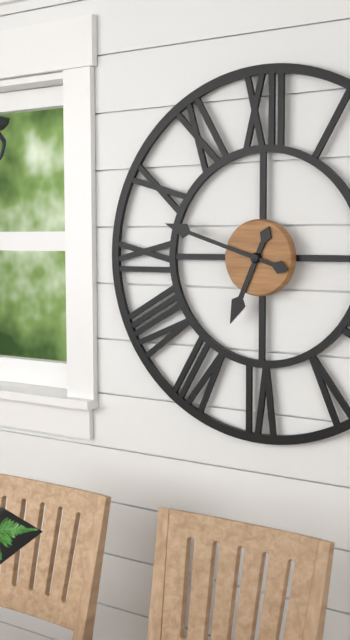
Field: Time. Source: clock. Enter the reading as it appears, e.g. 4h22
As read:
6h48
